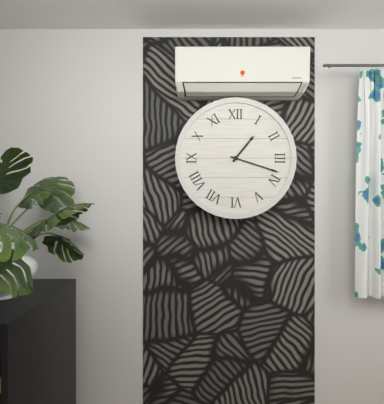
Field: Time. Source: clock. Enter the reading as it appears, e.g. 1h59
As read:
1h18
